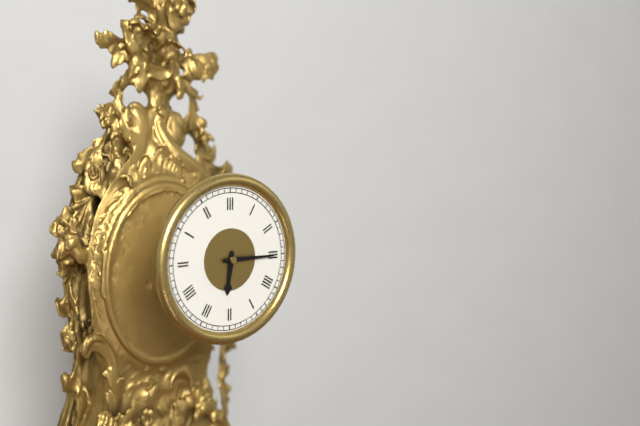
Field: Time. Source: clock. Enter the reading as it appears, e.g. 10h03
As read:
6h15
